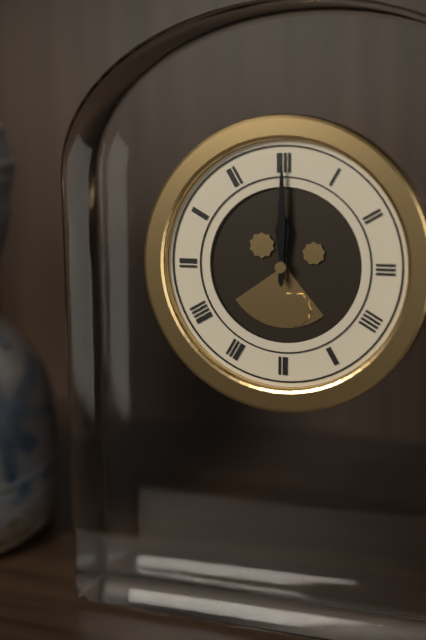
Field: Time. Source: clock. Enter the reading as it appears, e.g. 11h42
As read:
12h00
